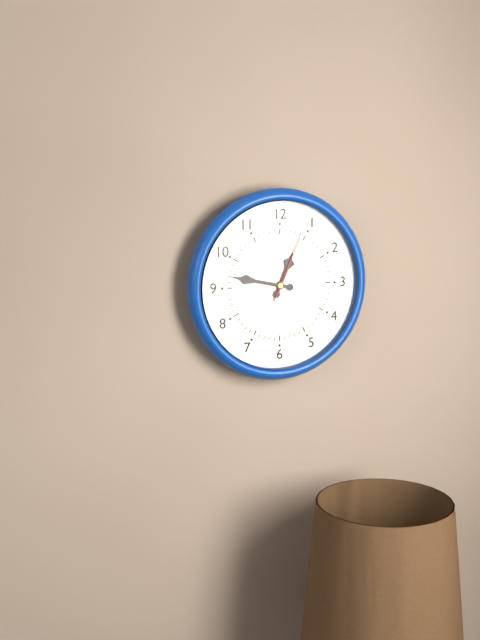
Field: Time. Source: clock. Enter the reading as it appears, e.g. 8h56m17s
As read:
12h47m04s
